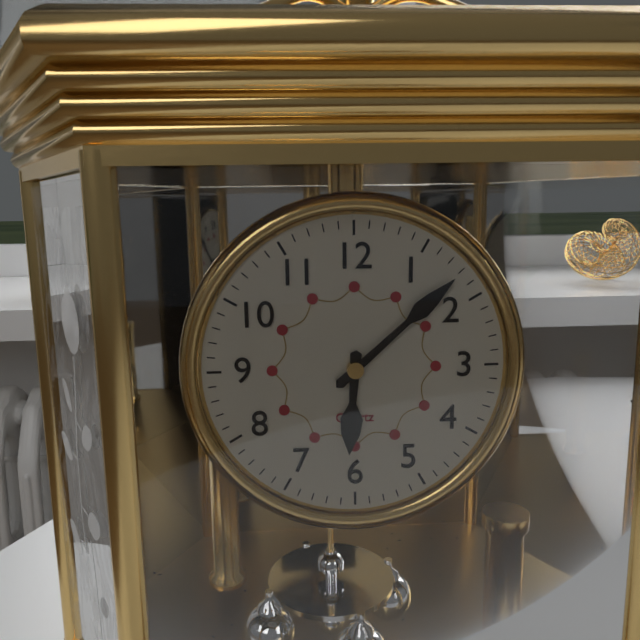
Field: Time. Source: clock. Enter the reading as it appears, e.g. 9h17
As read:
6h08
